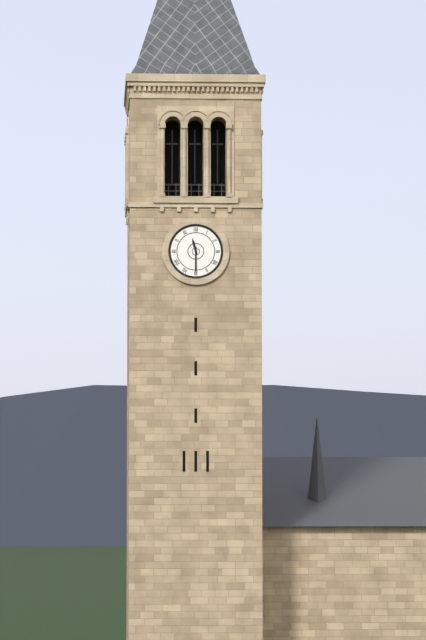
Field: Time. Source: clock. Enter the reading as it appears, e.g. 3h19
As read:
11h30
